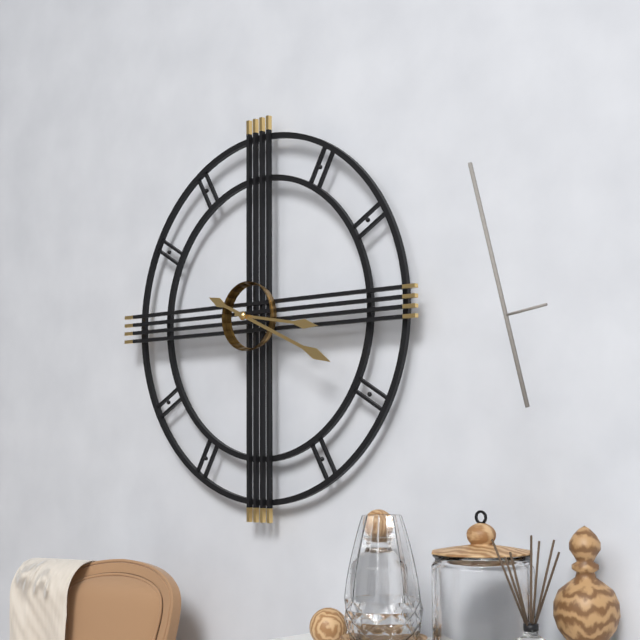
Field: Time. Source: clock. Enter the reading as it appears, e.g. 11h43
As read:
3h19
